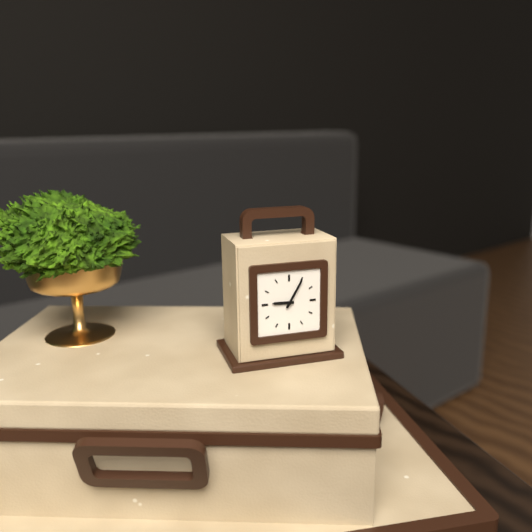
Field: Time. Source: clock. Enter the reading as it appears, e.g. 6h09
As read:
9h05
